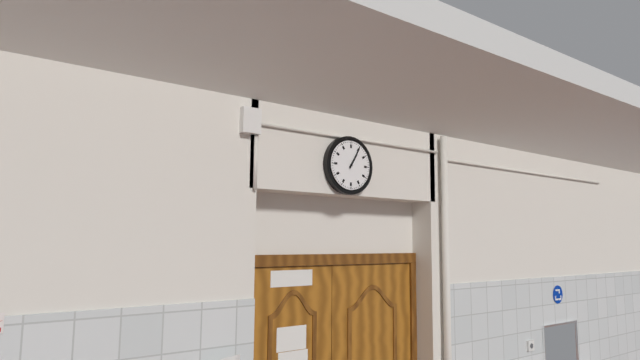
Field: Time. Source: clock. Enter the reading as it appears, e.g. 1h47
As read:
1h05
